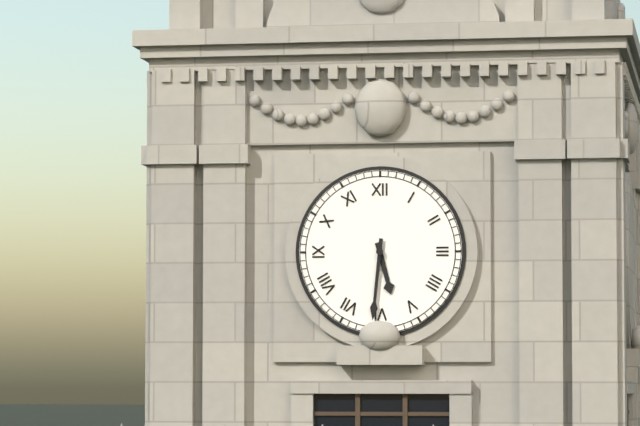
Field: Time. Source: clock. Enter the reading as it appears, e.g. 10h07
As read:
5h31
